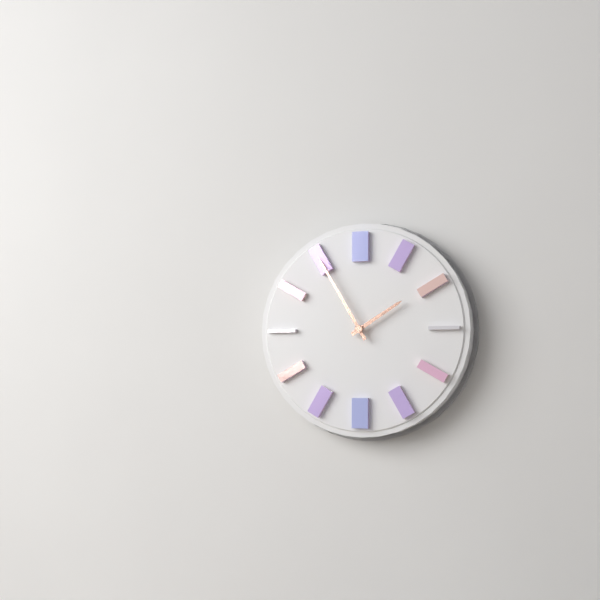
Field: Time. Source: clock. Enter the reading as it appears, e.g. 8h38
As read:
1h55
